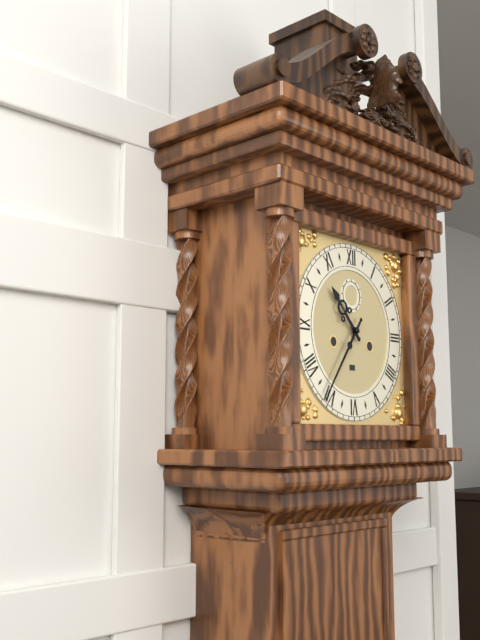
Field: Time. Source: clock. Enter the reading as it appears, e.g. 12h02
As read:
10h36
